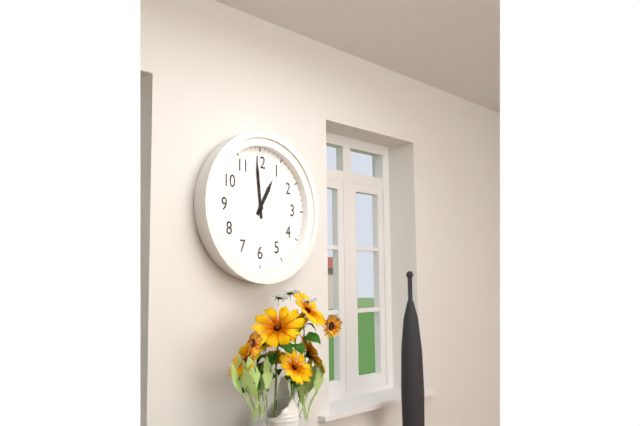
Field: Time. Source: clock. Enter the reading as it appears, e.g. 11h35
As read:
12h59
